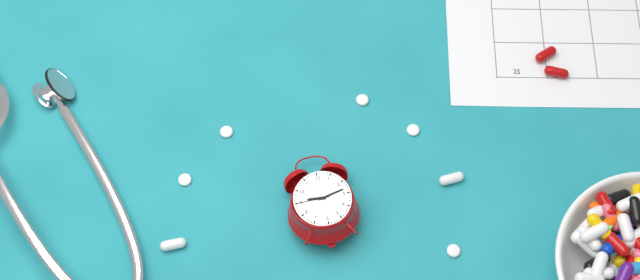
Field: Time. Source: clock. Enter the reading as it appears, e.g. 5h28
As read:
9h13
